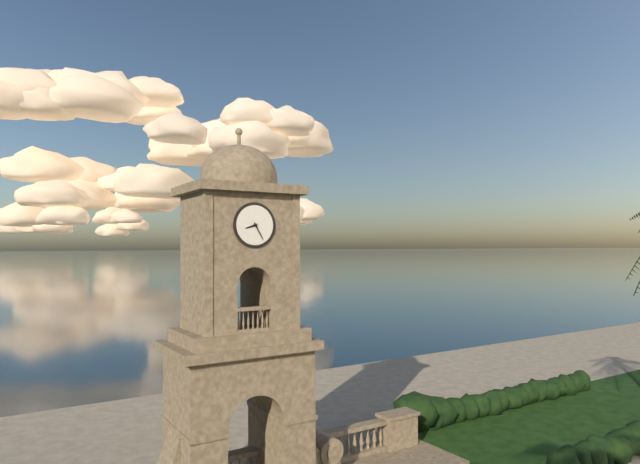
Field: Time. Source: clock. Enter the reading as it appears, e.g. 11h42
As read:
8h25
